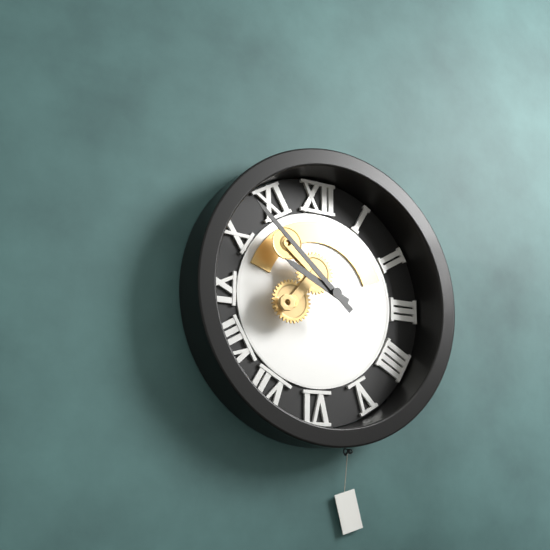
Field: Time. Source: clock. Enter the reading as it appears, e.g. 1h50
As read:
9h52
